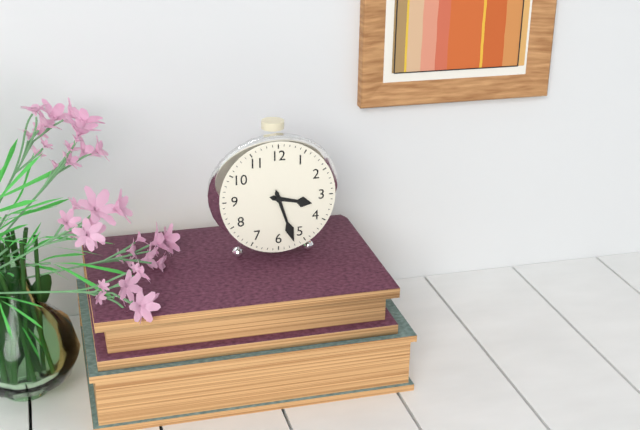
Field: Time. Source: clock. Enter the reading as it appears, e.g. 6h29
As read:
3h27
